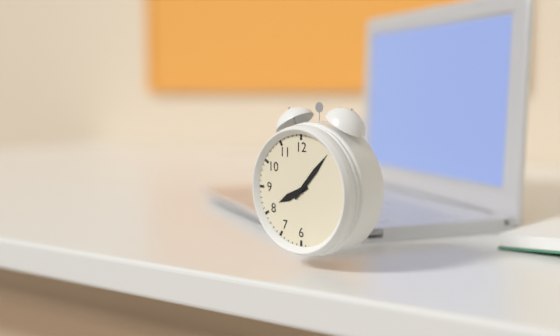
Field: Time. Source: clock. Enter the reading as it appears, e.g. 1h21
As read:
8h07
